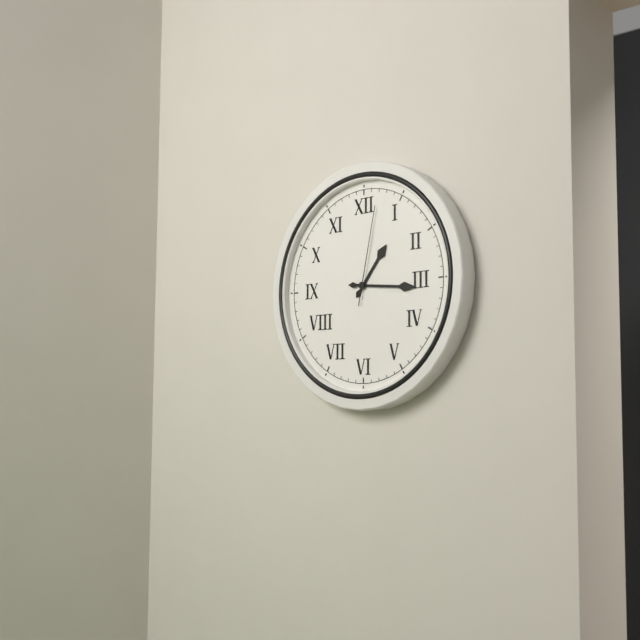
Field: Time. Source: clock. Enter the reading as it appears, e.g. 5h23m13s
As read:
1h16m02s
